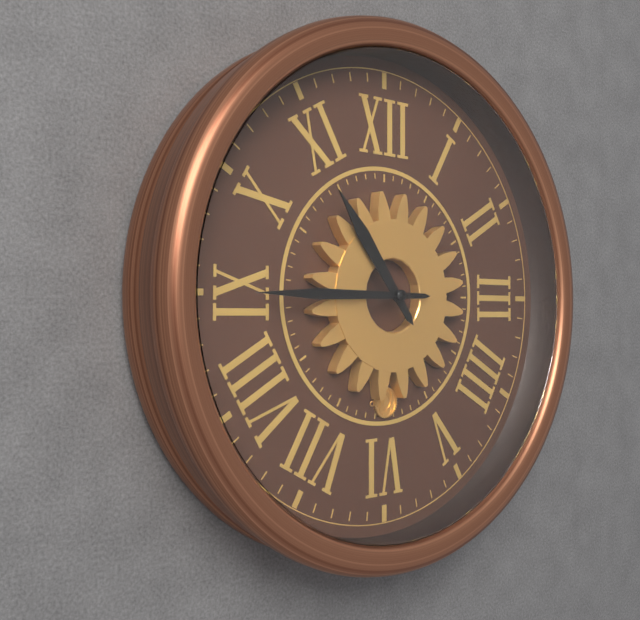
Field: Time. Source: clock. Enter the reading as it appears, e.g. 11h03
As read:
10h45
